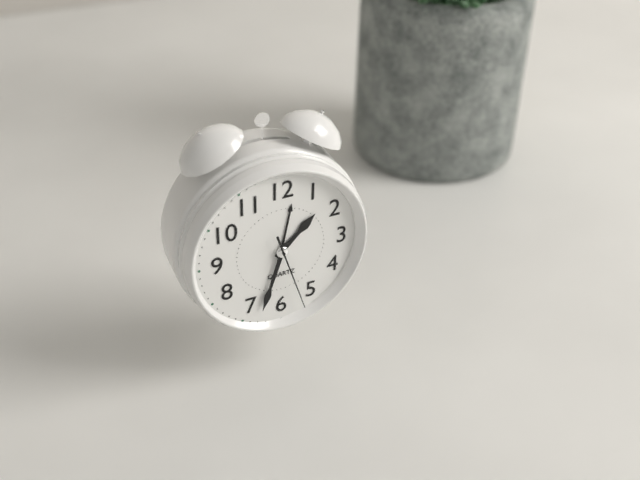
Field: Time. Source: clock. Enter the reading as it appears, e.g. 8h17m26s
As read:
1h33m27s
